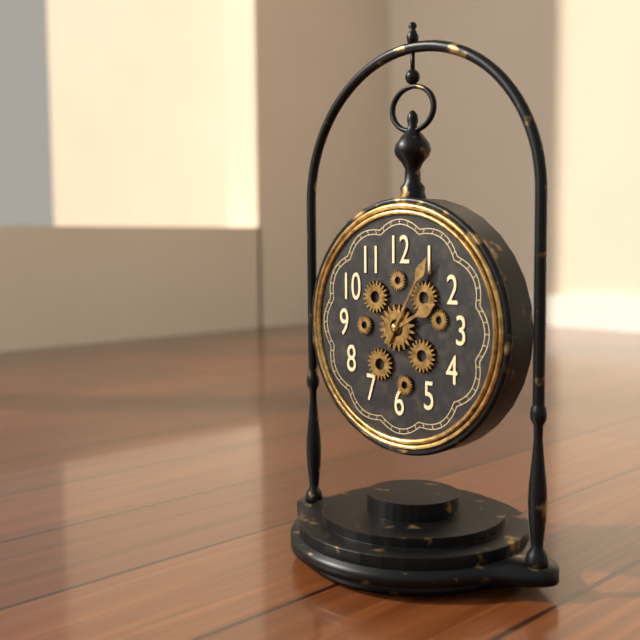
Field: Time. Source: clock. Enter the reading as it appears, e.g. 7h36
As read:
2h05
